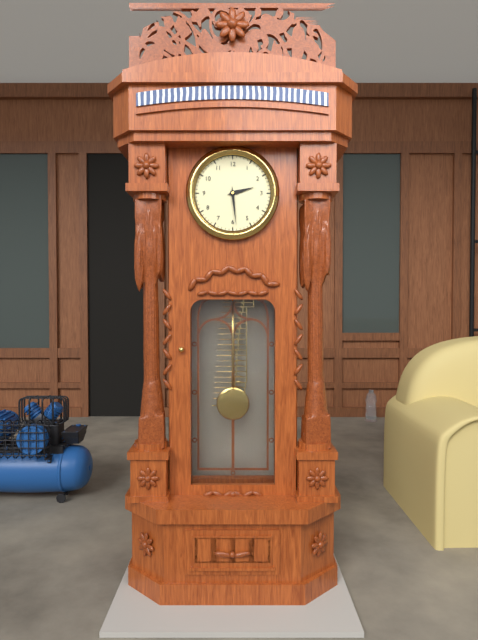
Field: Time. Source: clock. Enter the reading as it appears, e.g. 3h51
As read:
2h29
